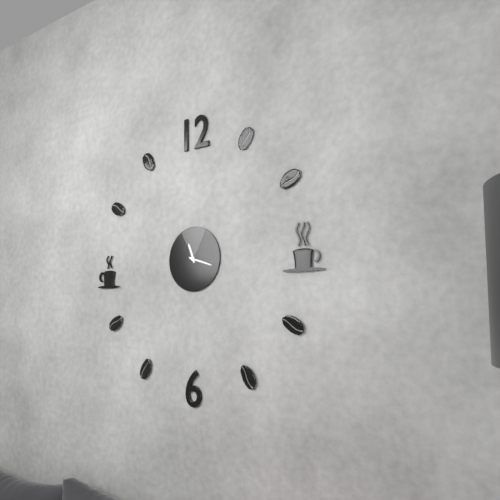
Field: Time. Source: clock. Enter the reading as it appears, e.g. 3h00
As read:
11h18
